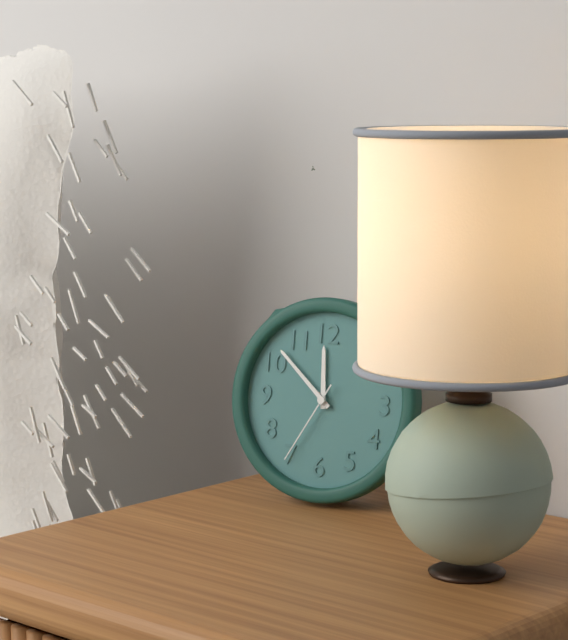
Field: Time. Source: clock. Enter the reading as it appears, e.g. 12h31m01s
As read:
11h52m35s
